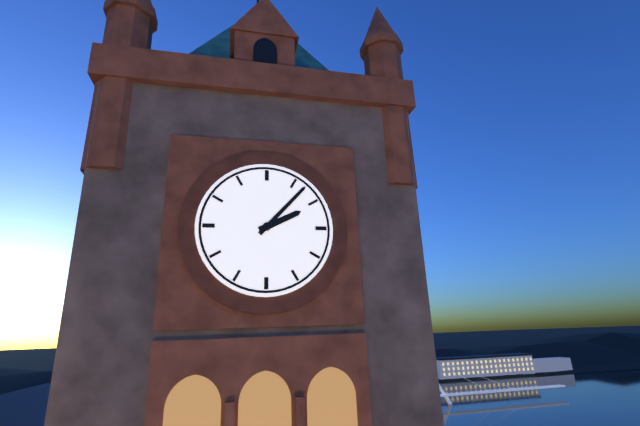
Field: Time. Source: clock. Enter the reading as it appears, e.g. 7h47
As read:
2h07
